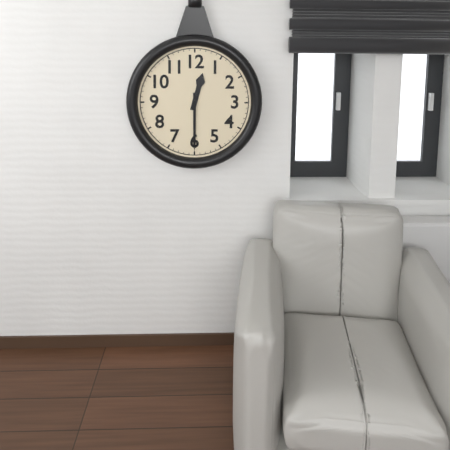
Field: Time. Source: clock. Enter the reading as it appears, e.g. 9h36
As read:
12h30
